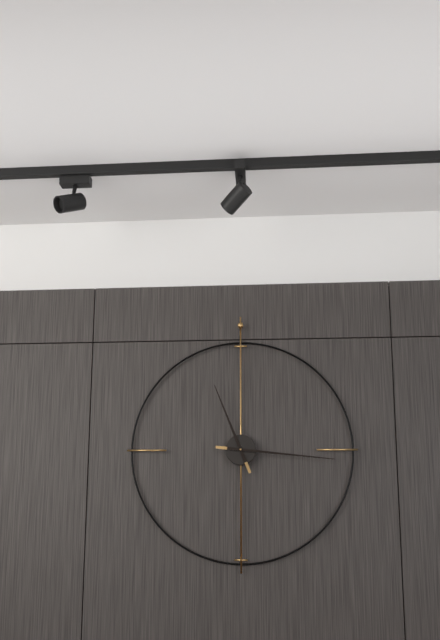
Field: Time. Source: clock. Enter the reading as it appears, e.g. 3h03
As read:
11h16
